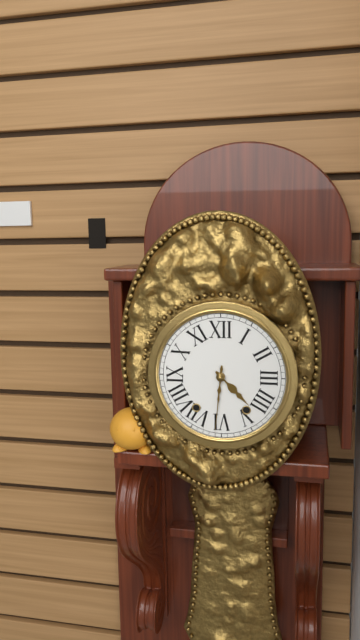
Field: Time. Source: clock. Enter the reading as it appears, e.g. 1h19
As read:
4h31
